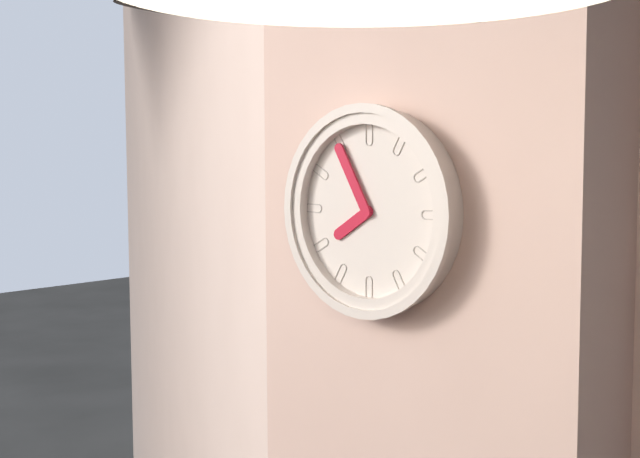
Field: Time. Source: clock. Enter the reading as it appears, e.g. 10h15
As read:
7h55
